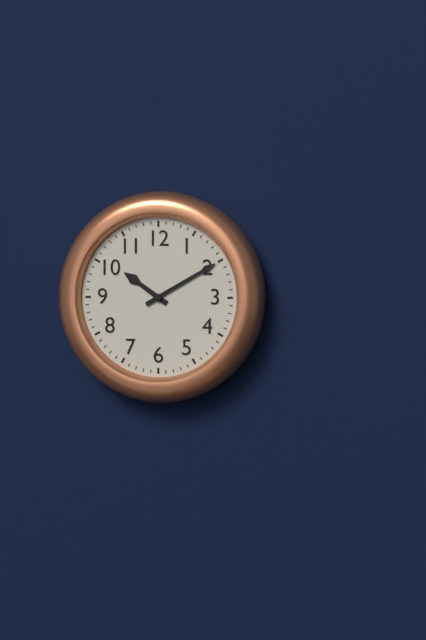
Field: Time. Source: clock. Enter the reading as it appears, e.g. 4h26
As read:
10h10
